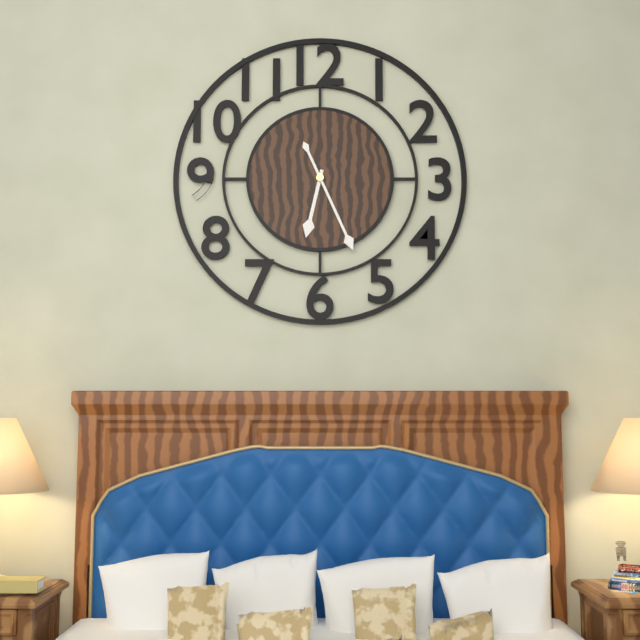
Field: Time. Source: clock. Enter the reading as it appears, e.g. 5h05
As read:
6h26
